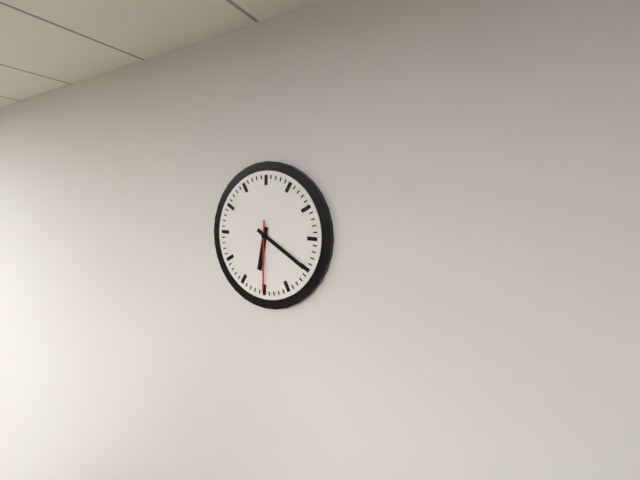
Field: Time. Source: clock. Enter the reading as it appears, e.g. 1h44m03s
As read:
6h20m30s
